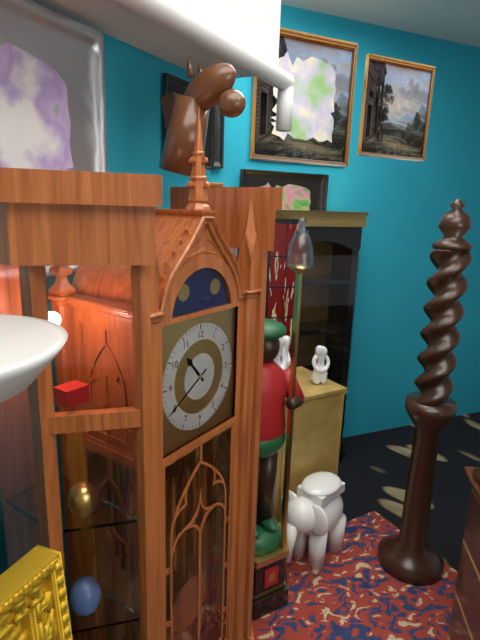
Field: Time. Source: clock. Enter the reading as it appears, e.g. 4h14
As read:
10h40
